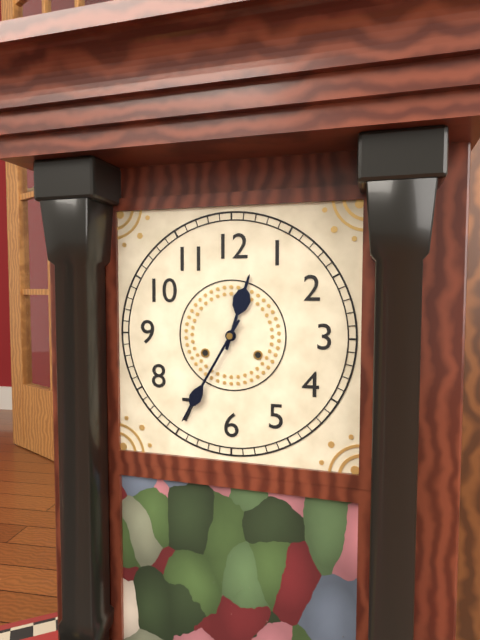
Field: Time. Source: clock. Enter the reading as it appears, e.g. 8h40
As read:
12h35
